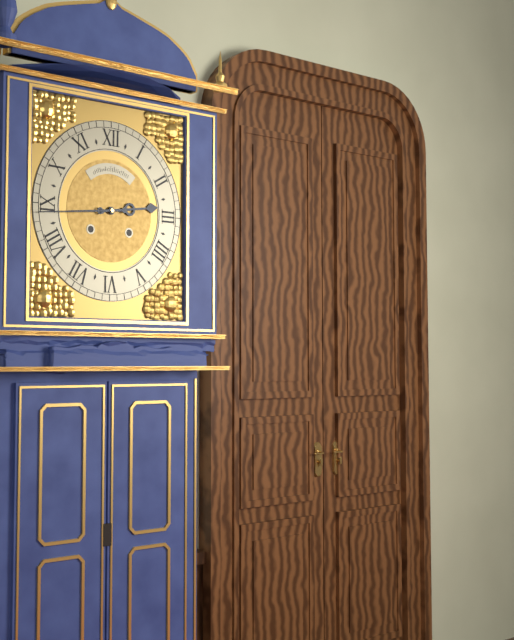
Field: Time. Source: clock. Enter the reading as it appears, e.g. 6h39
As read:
2h44
